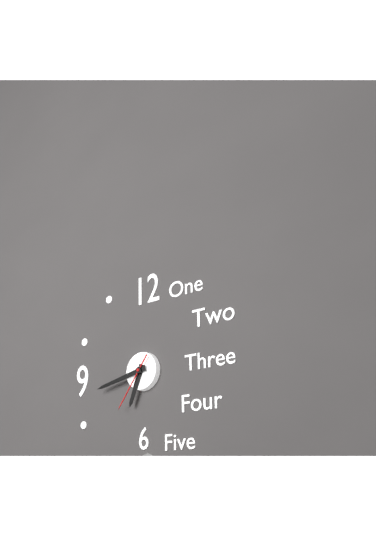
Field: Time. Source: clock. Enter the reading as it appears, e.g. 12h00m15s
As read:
6h43m36s
